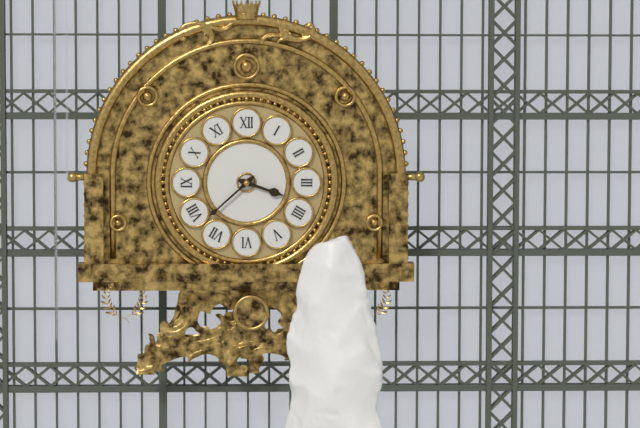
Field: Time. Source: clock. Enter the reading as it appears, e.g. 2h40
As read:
3h38
